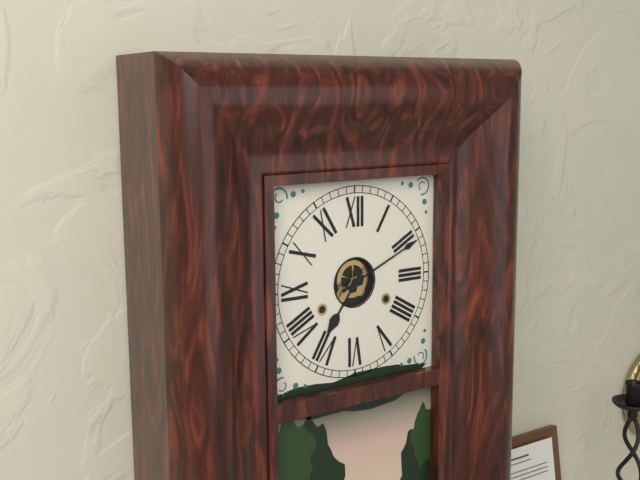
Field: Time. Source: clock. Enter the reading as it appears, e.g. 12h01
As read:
7h11
